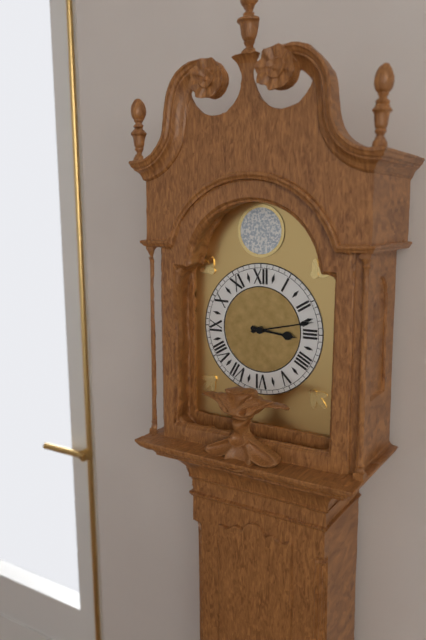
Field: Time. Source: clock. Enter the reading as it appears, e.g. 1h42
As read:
3h13
